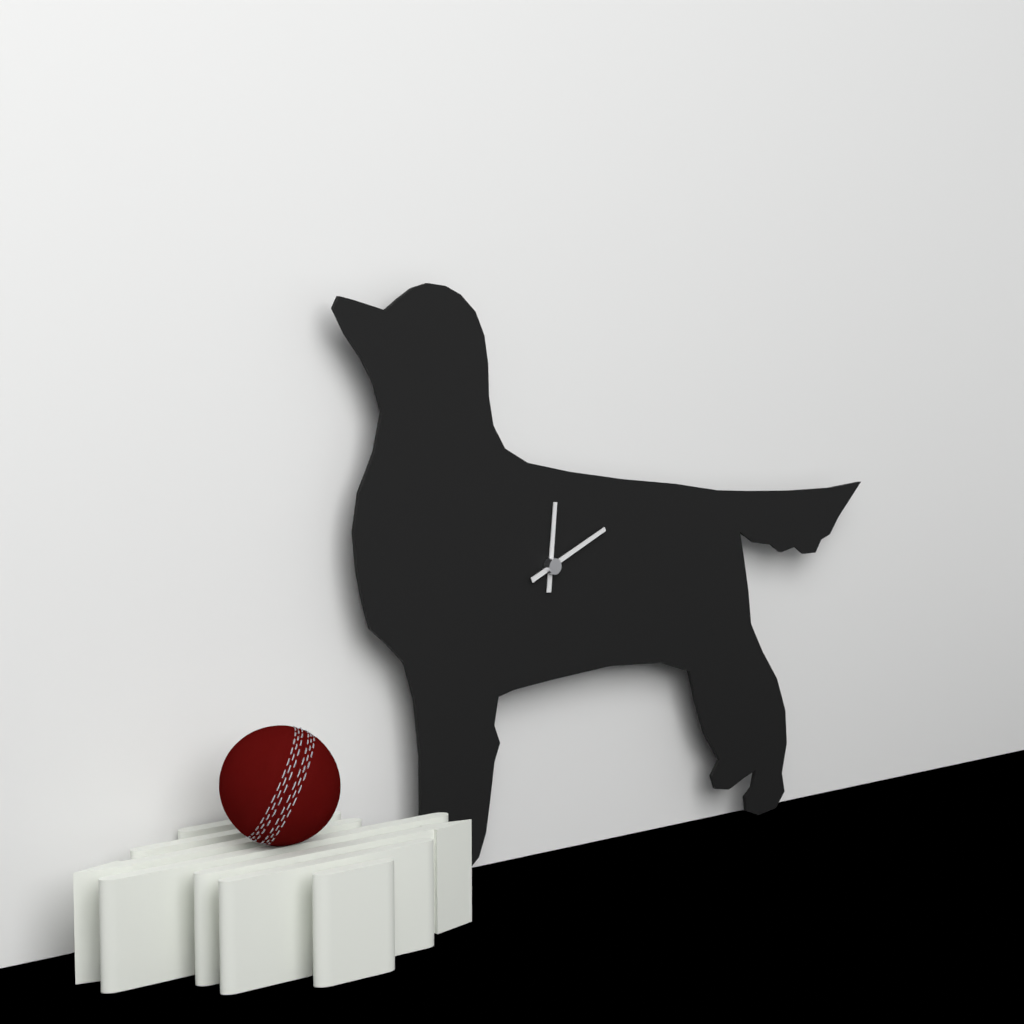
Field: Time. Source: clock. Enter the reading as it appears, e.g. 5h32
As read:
12h11
